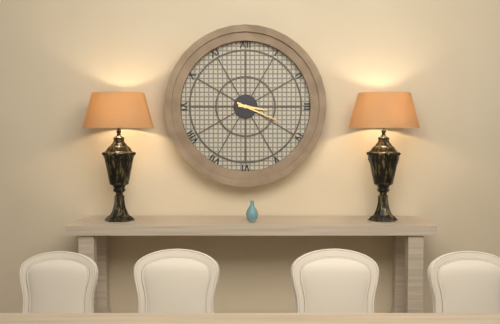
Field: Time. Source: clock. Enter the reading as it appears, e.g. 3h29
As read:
3h19
